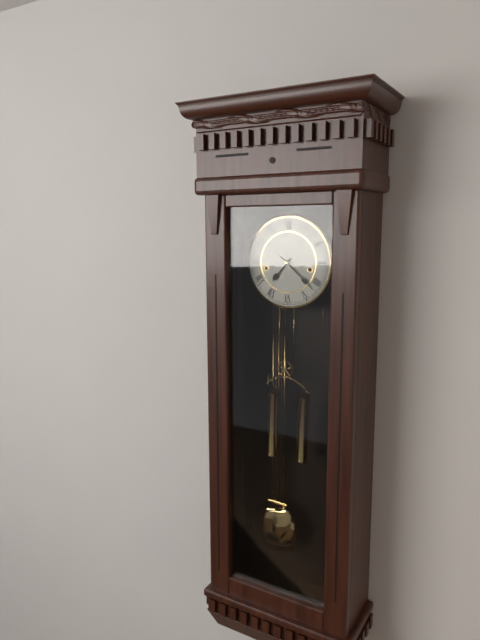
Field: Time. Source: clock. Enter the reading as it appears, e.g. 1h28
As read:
7h22
